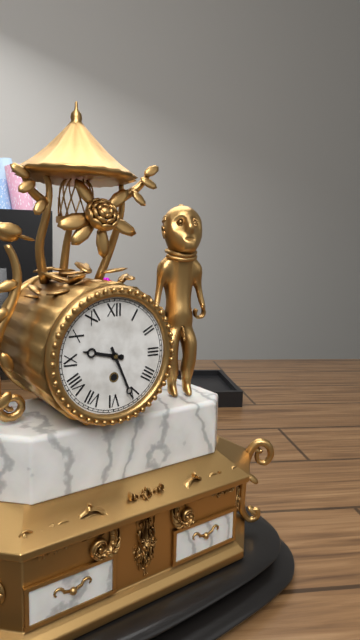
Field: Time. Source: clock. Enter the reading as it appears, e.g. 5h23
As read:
9h26
